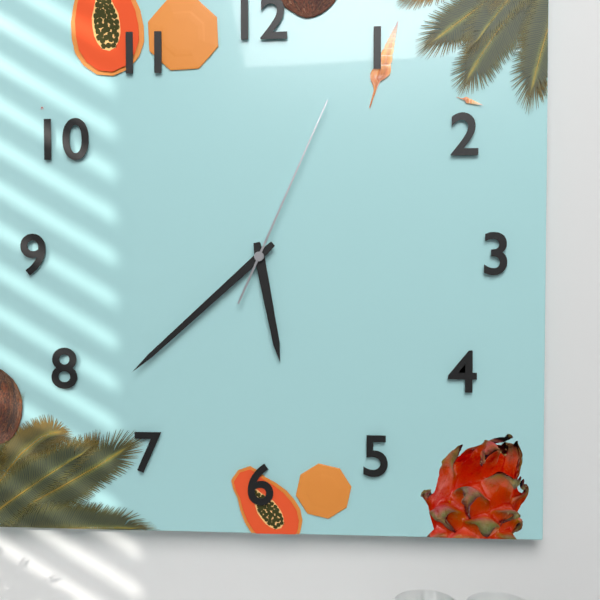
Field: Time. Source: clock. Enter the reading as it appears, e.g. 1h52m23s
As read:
5h38m04s
